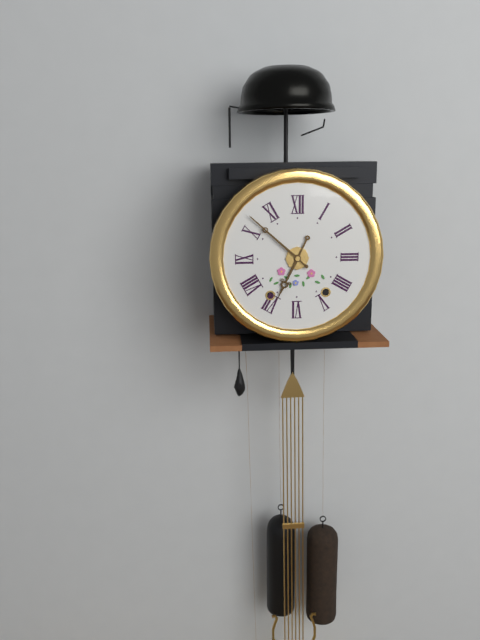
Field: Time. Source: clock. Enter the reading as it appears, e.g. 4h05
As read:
6h52
